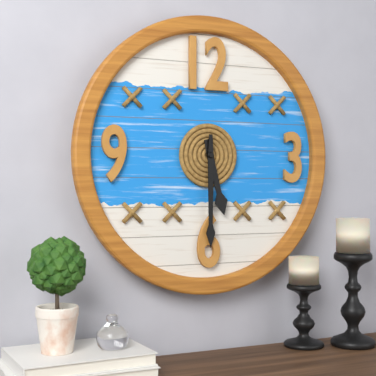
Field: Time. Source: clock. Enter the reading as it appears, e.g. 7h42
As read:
5h30
